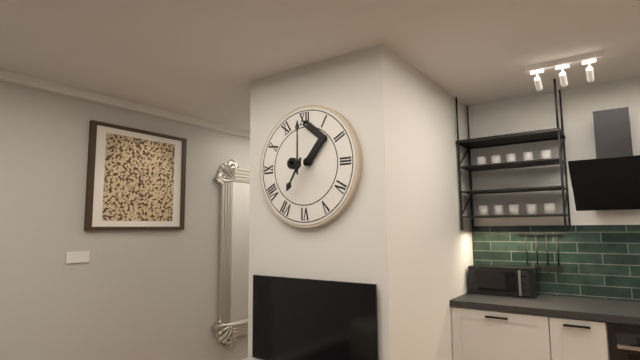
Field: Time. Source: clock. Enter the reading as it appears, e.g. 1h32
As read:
7h00
